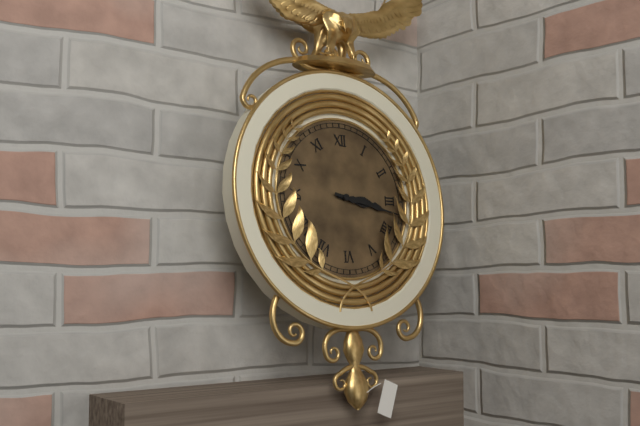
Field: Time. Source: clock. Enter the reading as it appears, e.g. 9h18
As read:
3h17
